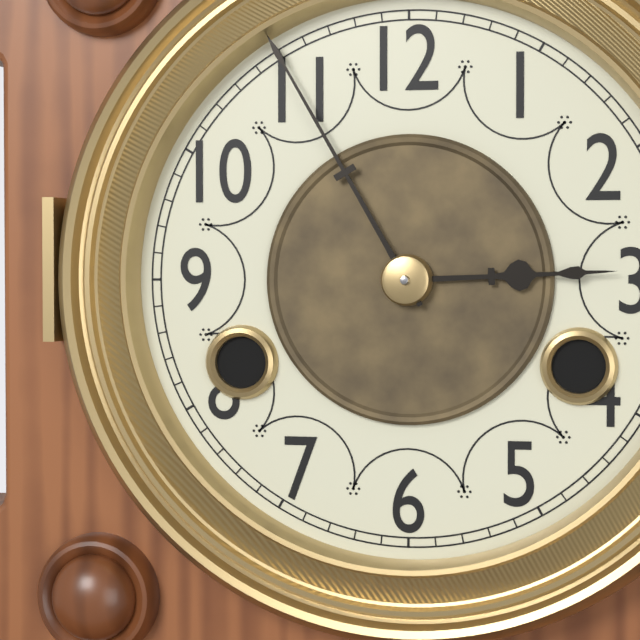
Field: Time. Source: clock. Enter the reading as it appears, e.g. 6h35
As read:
2h55
